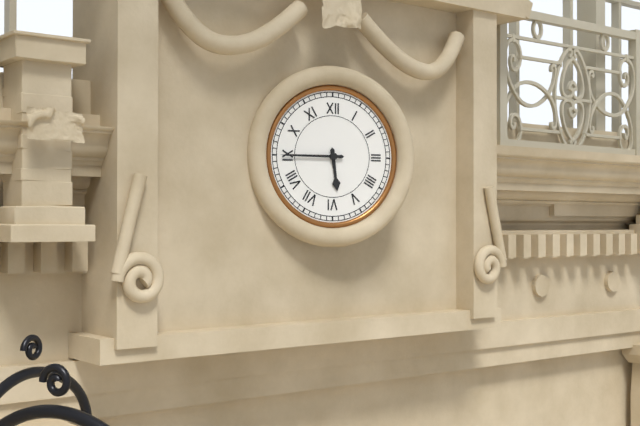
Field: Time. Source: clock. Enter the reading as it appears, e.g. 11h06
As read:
5h45
